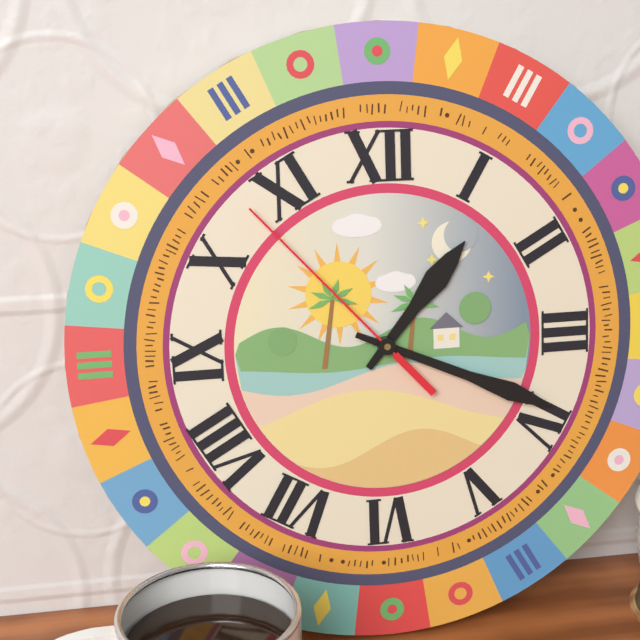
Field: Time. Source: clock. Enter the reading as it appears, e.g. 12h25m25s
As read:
1h19m53s
